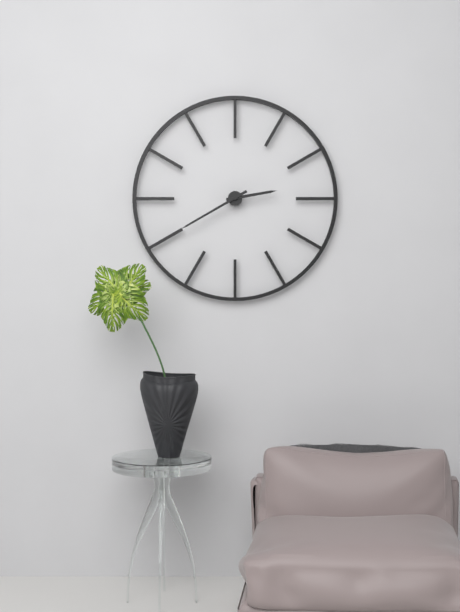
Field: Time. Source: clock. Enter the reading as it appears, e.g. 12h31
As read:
2h40
